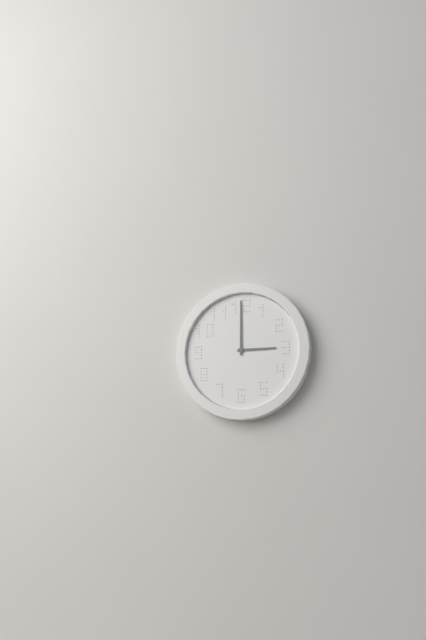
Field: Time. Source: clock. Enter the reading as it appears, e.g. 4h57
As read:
3h00
